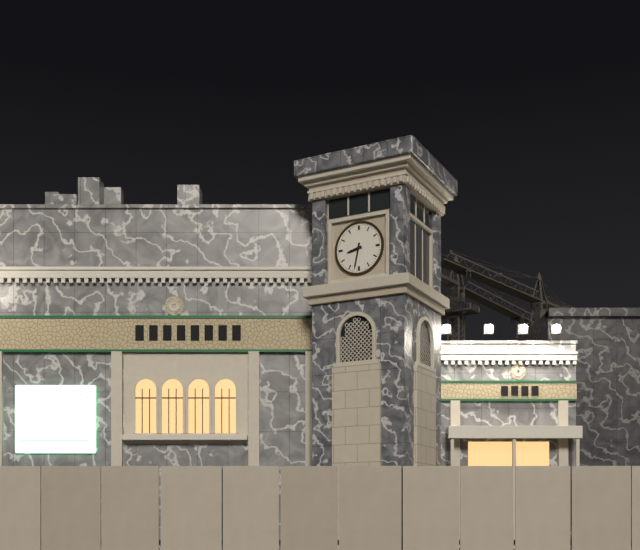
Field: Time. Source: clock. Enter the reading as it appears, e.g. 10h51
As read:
8h32
